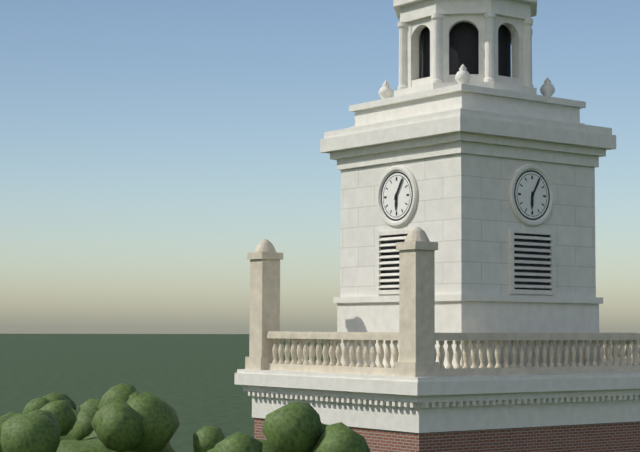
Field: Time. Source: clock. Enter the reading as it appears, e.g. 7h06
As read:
6h05
